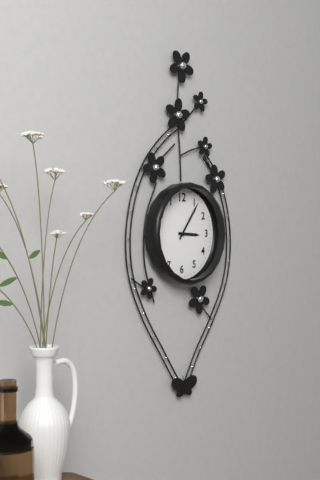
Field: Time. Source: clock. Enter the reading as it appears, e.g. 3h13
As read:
3h06
